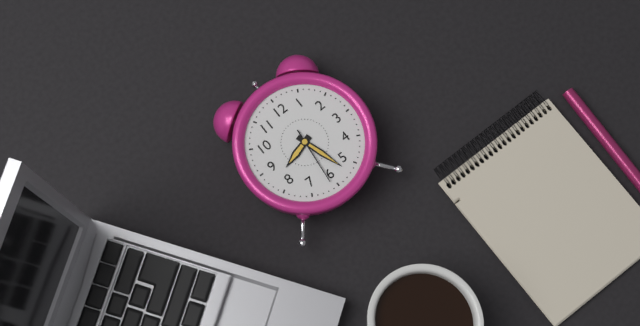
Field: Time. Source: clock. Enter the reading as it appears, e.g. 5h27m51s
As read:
8h27m31s
